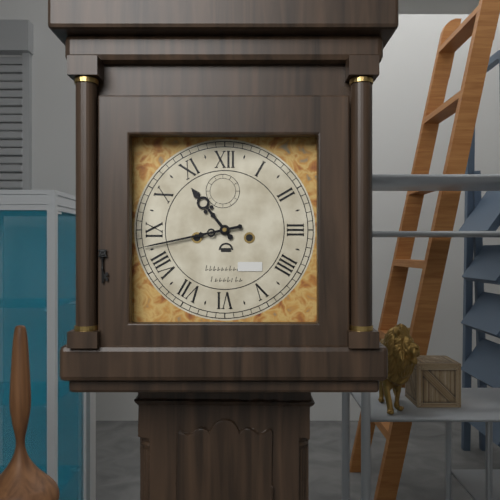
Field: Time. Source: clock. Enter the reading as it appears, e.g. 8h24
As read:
10h43
